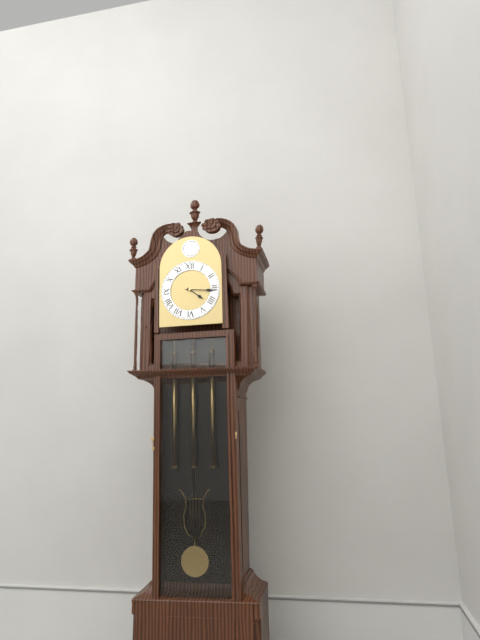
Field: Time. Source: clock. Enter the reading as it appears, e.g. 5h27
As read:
4h16
